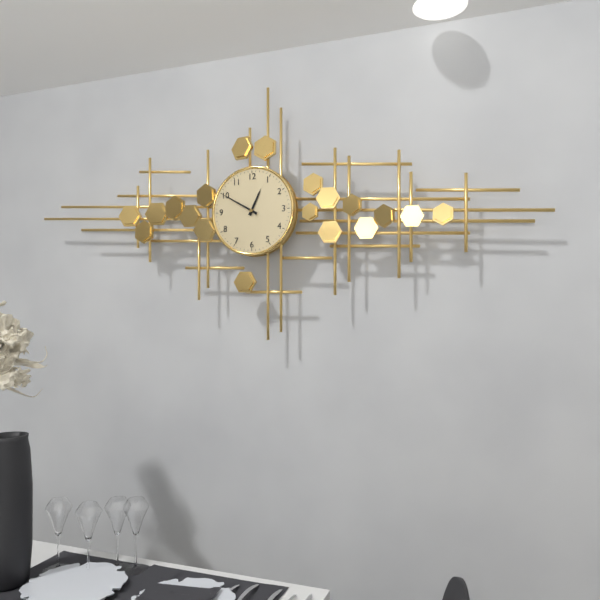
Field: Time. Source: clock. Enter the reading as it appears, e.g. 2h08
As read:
12h50
